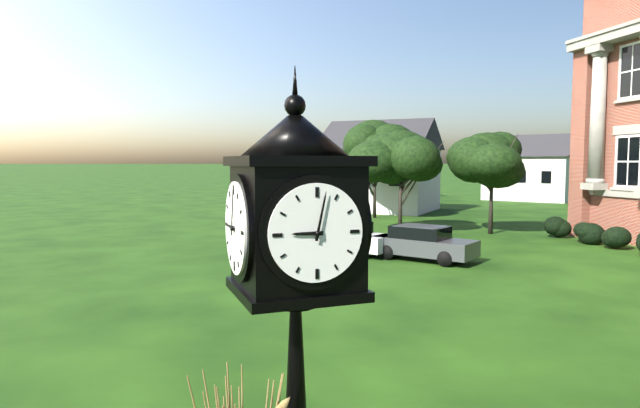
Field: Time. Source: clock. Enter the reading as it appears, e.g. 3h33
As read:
9h02
